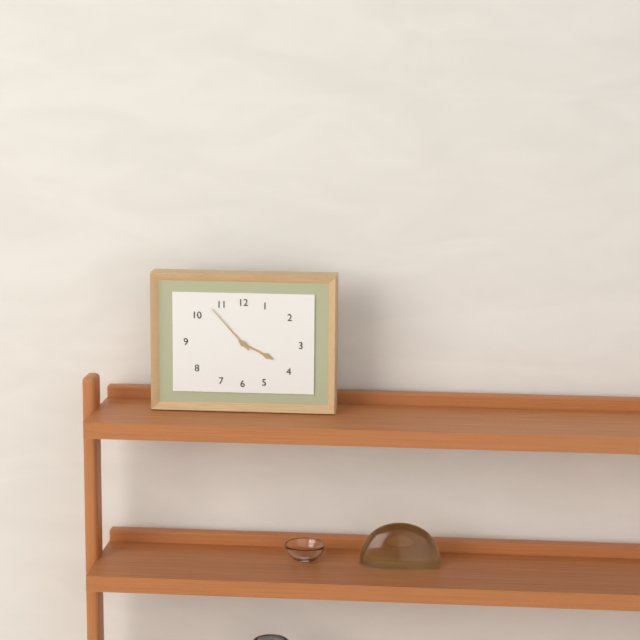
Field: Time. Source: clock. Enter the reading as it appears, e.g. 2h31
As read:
3h53
